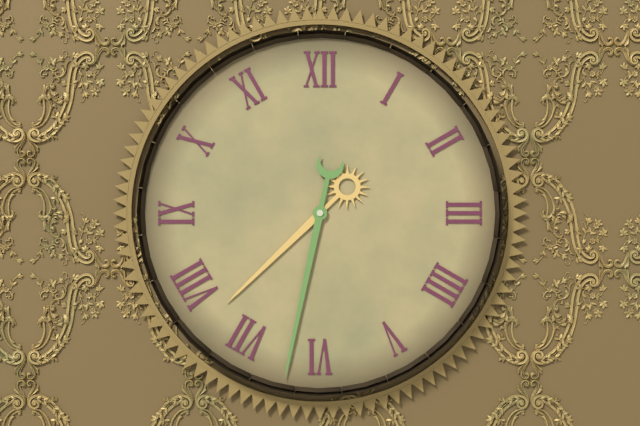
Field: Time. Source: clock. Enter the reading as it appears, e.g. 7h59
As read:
7h32
